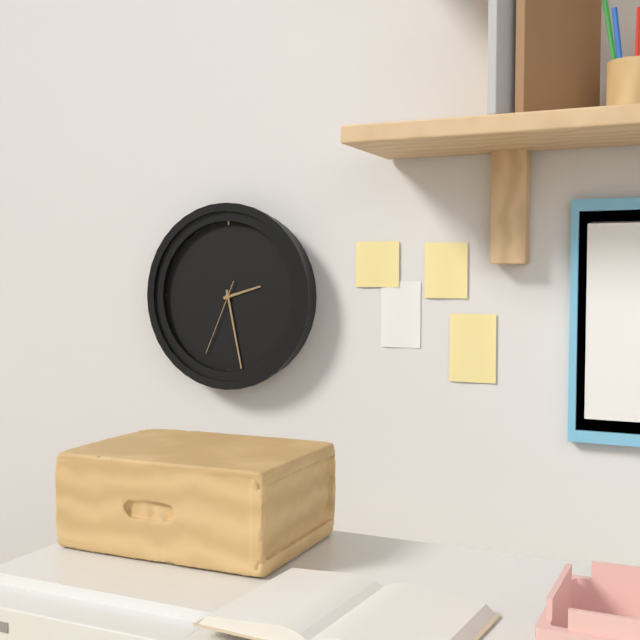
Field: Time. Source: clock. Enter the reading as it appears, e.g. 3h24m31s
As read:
2h28m34s
